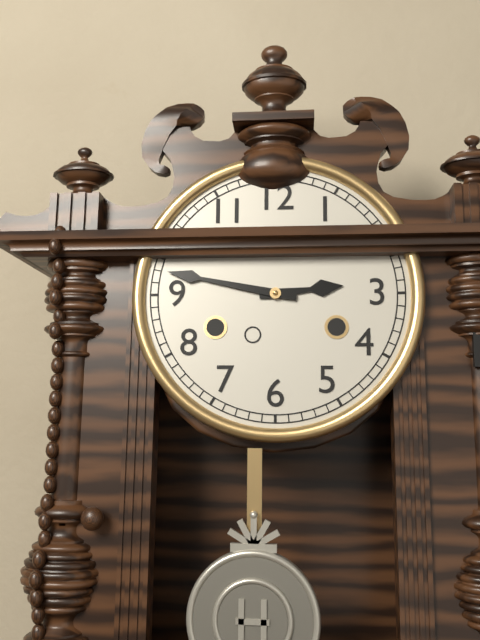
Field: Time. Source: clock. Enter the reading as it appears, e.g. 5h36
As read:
2h47
